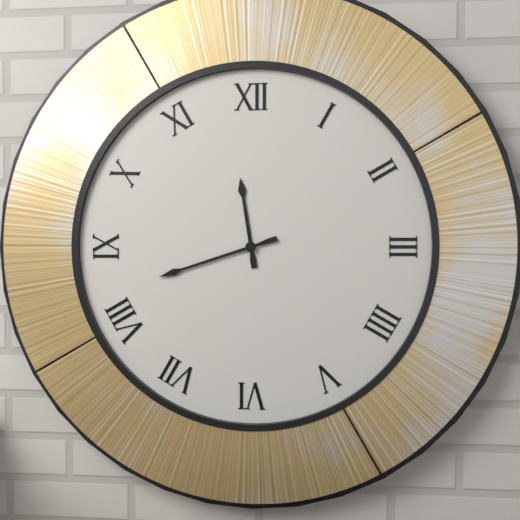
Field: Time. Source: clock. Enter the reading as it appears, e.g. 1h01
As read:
11h42
